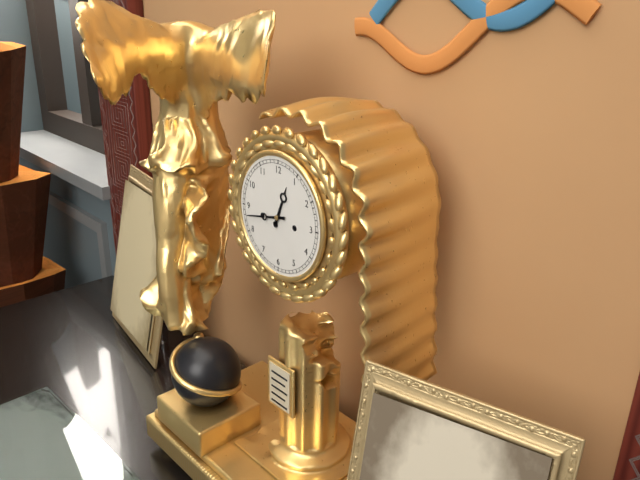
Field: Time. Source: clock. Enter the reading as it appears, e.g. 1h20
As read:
12h43
